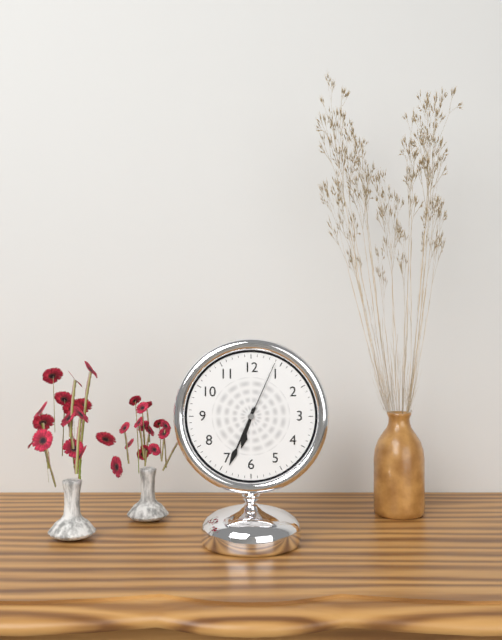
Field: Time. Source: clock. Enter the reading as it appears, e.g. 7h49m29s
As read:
6h34m04s
